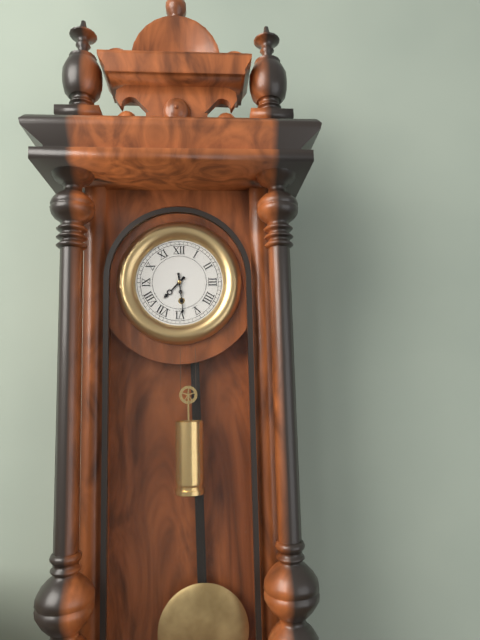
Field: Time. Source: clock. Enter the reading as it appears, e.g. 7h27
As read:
7h29
